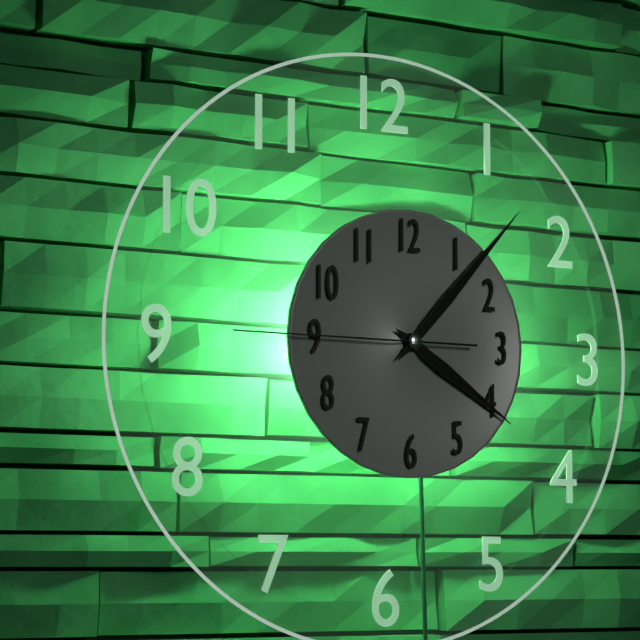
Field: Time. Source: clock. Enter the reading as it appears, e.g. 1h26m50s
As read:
4h07m45s
